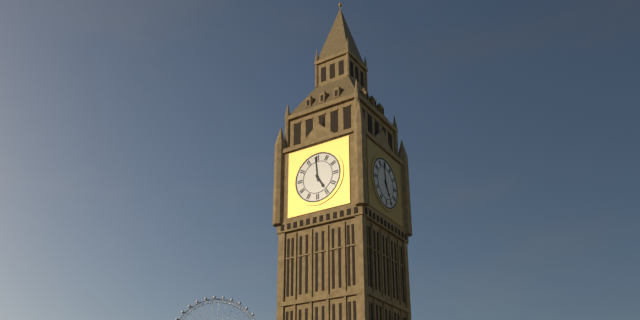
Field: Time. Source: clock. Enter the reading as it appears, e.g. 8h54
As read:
4h59
